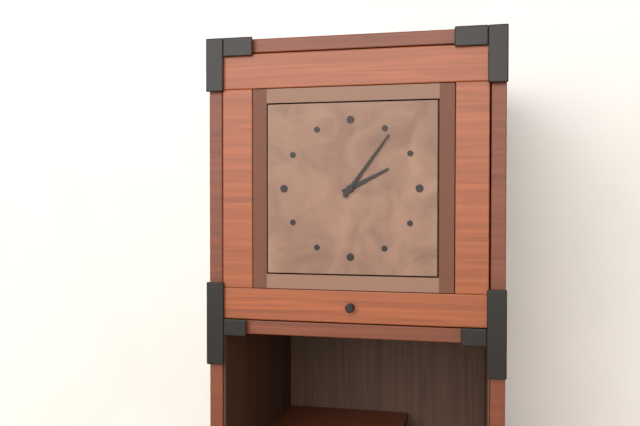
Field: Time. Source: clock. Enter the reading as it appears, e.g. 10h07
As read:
2h06
